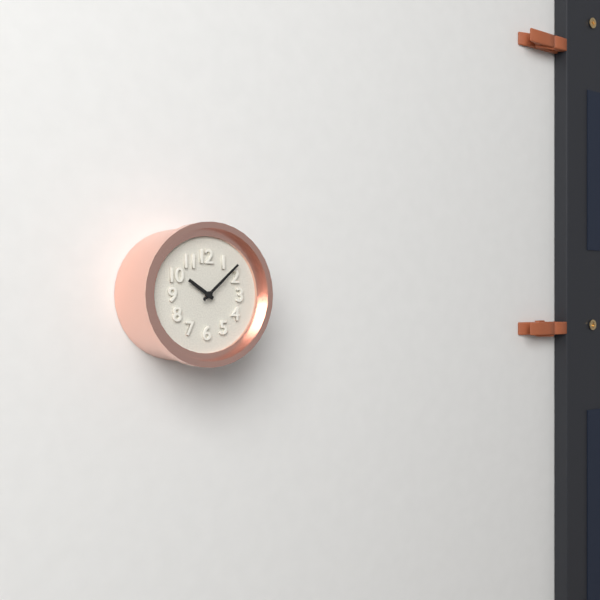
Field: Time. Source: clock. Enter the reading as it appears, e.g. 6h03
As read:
10h08
